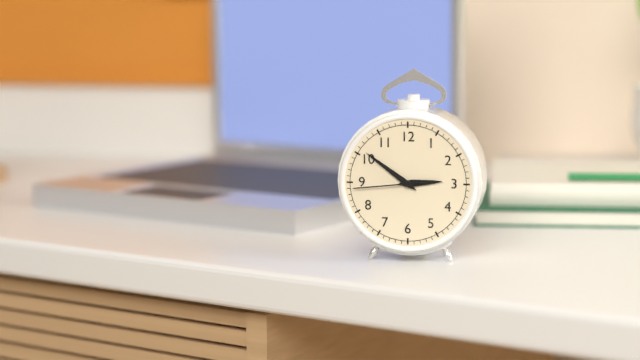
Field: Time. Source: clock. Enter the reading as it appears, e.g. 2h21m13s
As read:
2h51m44s
